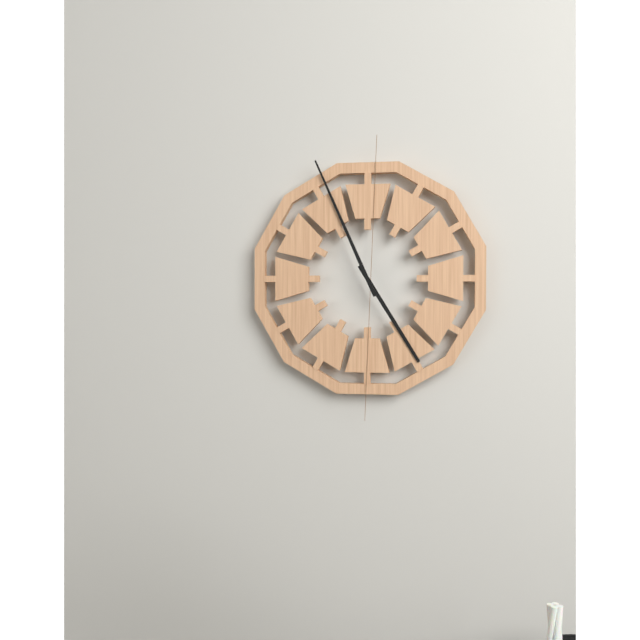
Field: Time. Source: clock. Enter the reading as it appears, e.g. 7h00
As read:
4h56
